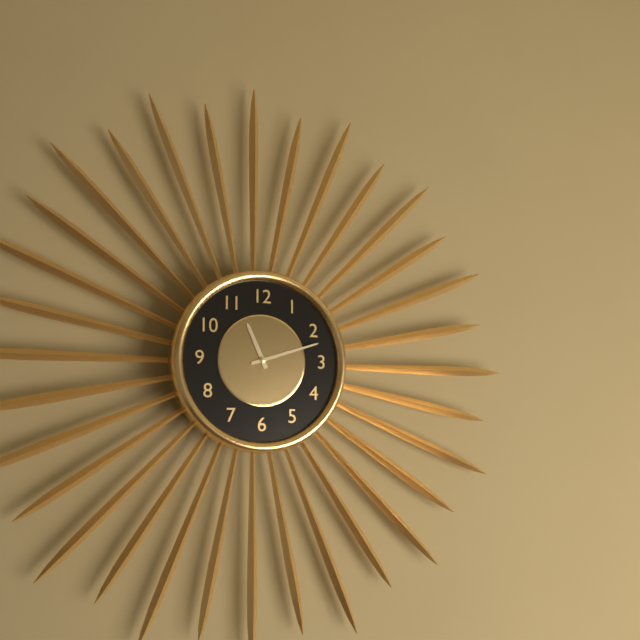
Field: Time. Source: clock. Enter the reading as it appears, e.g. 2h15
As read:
11h12
